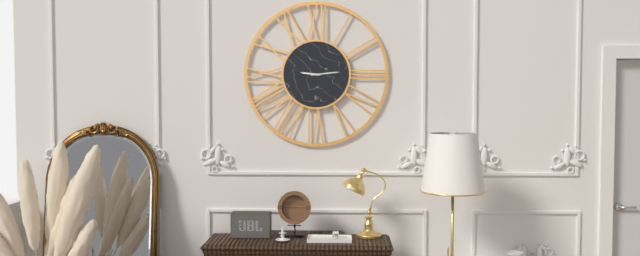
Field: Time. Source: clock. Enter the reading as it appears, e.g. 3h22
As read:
9h14
